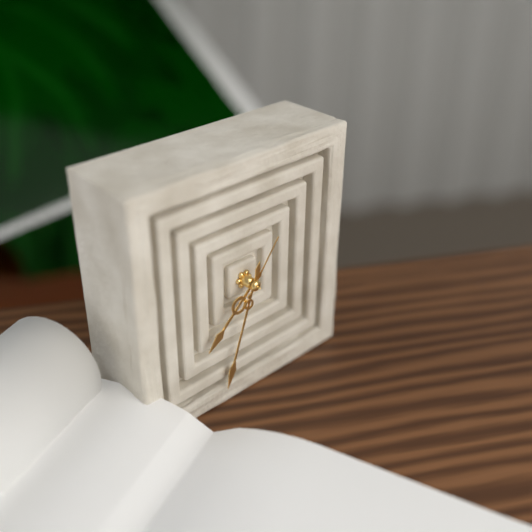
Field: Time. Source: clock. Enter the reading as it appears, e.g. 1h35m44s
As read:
7h33m06s
